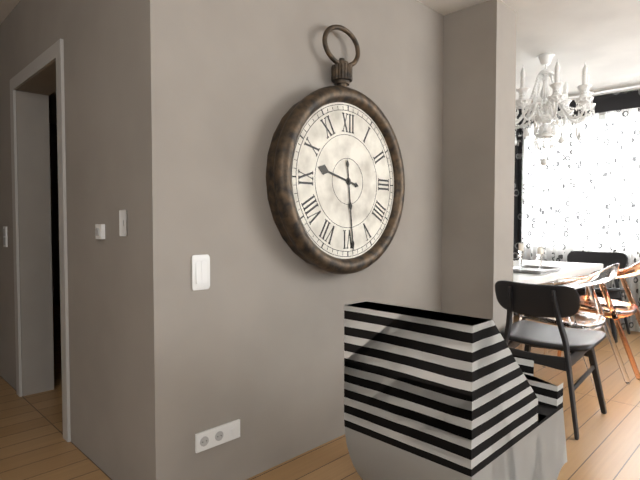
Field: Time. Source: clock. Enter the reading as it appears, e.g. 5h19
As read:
9h29
